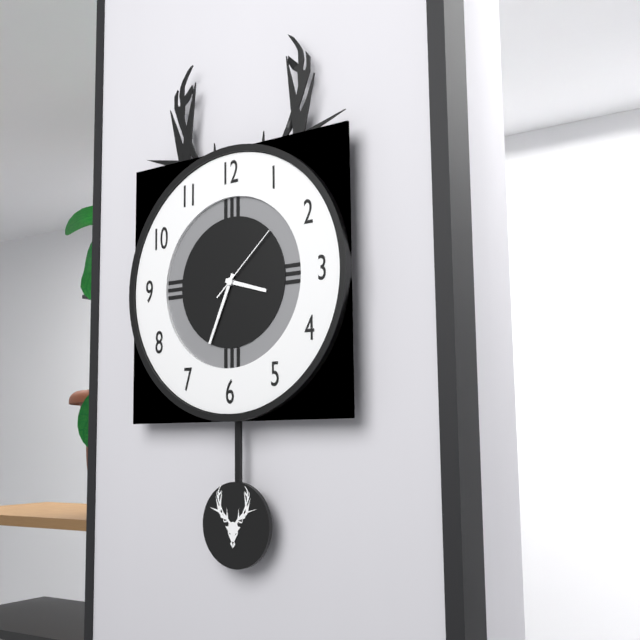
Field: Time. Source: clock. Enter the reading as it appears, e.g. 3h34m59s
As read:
3h34m08s
